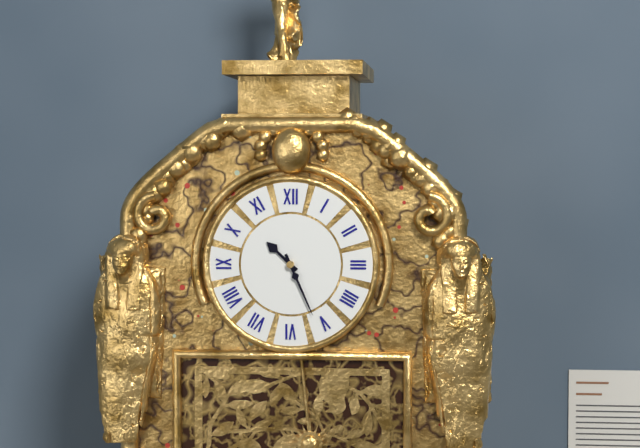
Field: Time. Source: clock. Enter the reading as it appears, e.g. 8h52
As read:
10h26
